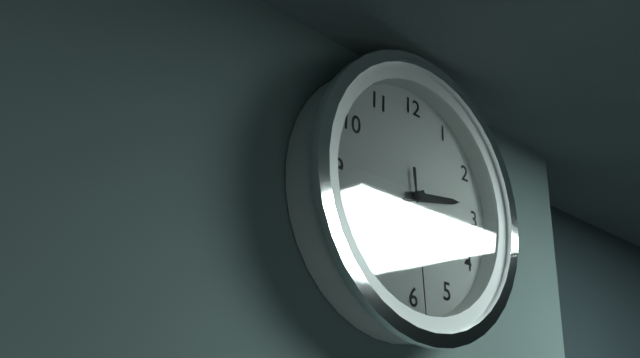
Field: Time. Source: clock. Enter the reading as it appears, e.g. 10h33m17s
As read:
2h40m29s
